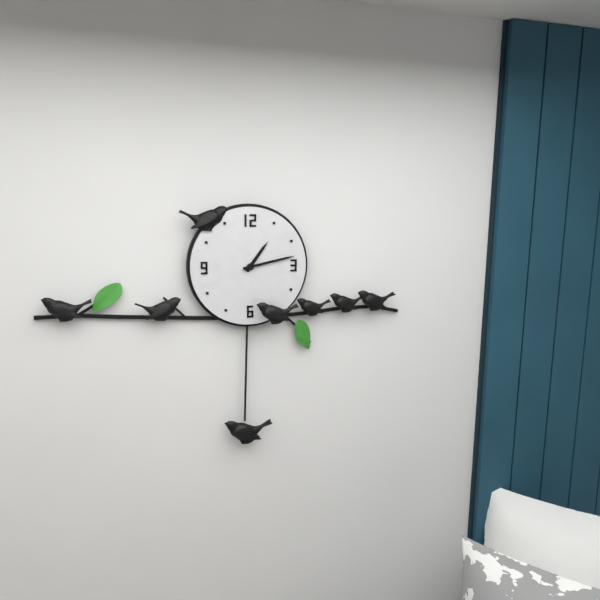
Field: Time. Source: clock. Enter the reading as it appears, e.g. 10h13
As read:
1h13
